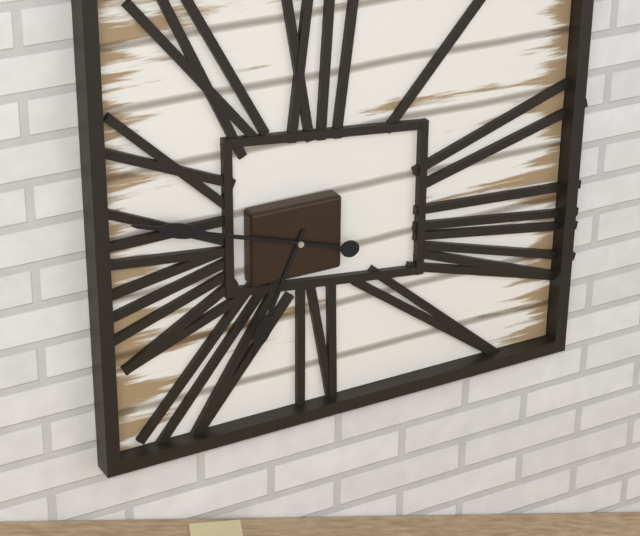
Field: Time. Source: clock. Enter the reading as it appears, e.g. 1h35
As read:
6h48
